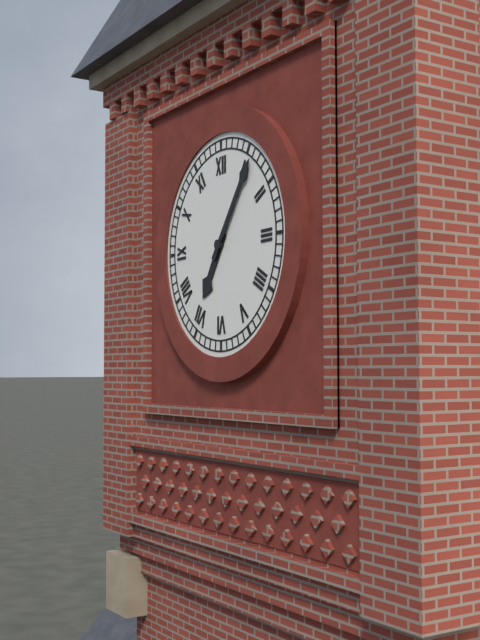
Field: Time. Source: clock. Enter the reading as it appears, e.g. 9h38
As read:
7h06
